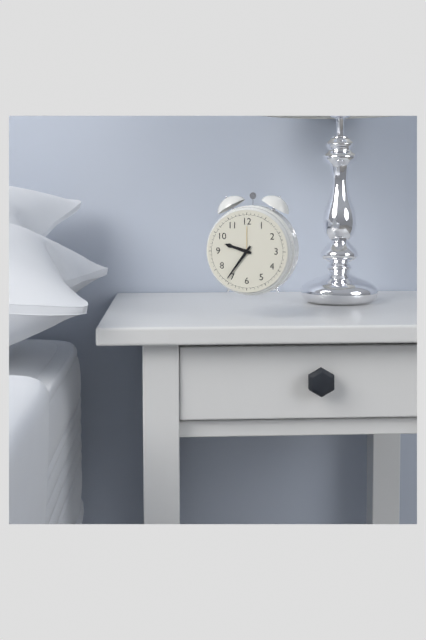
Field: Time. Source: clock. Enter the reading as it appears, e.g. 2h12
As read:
9h36
